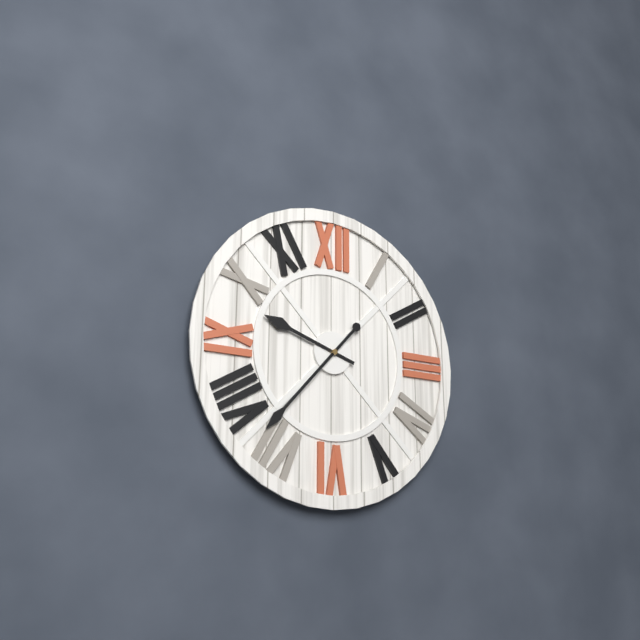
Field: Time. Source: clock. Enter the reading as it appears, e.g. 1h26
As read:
9h37
